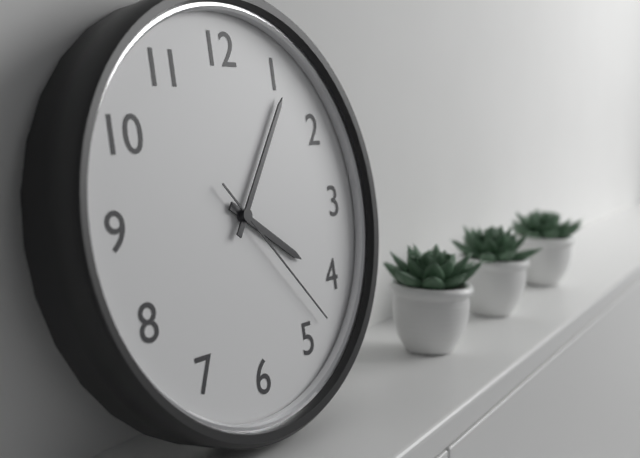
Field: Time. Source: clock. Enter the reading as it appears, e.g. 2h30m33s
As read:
4h06m23s
